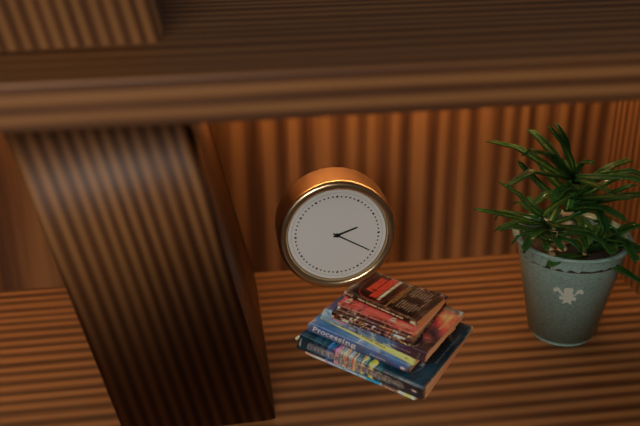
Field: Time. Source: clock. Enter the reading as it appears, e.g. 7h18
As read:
2h20
